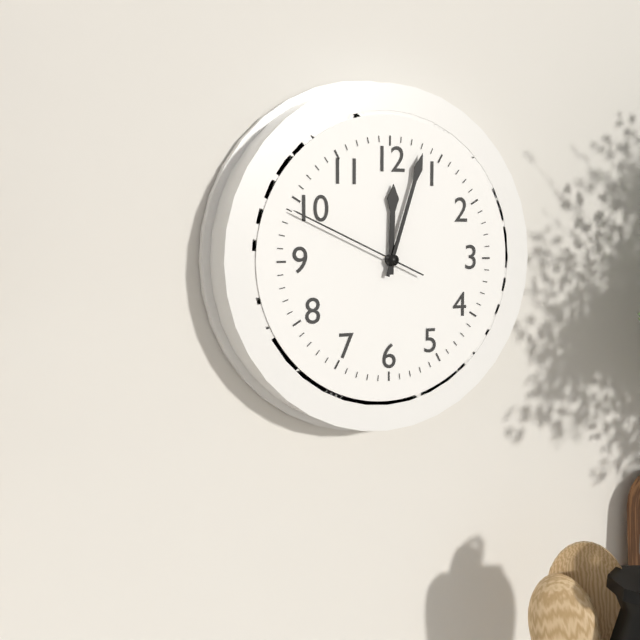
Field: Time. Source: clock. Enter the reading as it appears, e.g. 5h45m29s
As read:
12h03m49s
